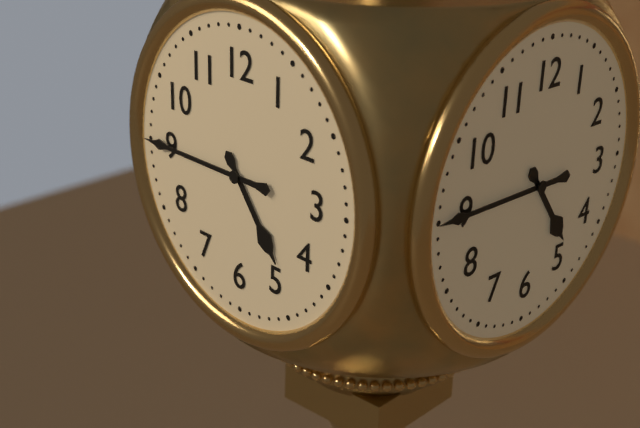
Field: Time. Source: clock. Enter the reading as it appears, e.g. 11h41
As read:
4h45
